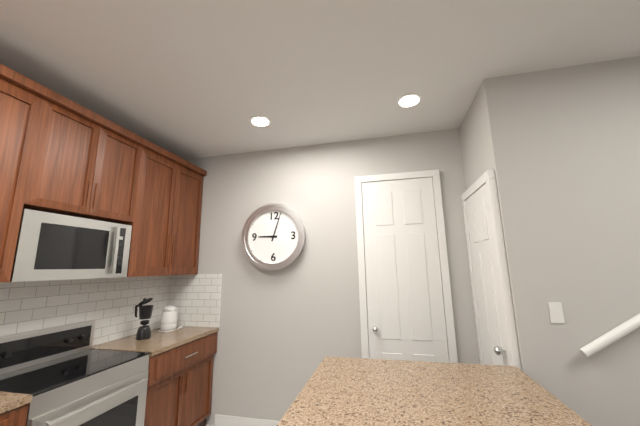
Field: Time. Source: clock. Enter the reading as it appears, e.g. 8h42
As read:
9h03
